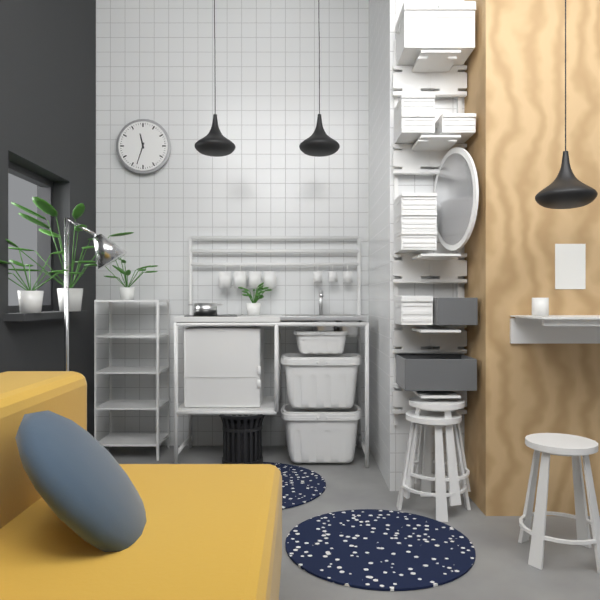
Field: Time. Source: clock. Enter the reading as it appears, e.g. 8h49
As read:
11h33
